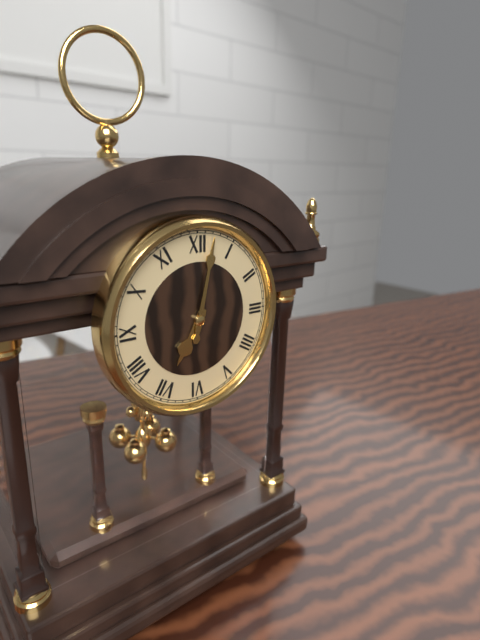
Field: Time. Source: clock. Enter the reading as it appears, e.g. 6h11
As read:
7h02
